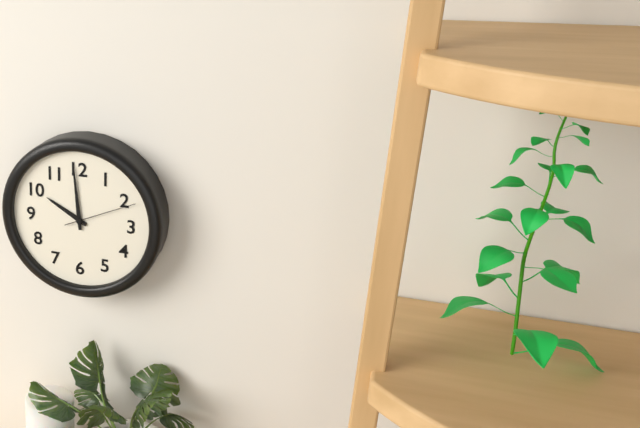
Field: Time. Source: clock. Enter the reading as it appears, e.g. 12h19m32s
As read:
9h59m11s
